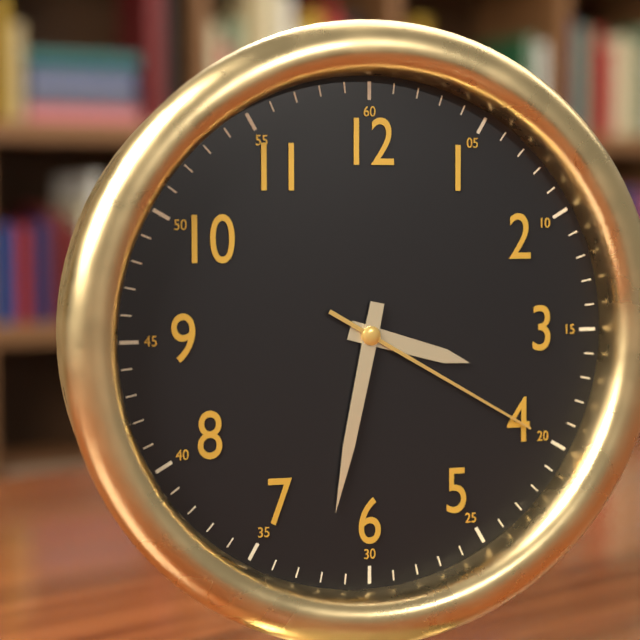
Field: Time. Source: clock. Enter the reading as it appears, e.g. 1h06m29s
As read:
3h32m20s
